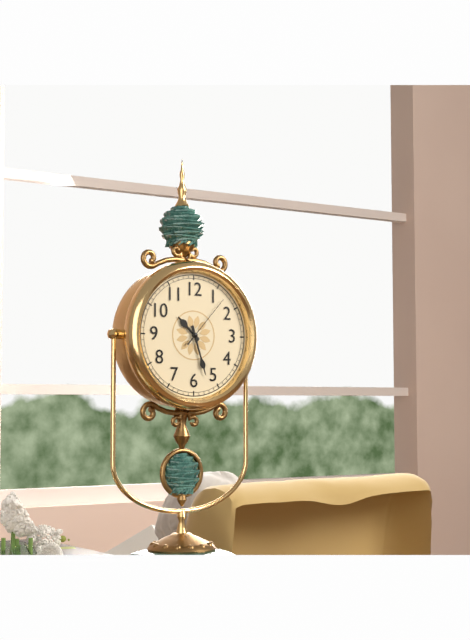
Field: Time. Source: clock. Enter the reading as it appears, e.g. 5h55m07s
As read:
10h27m07s
